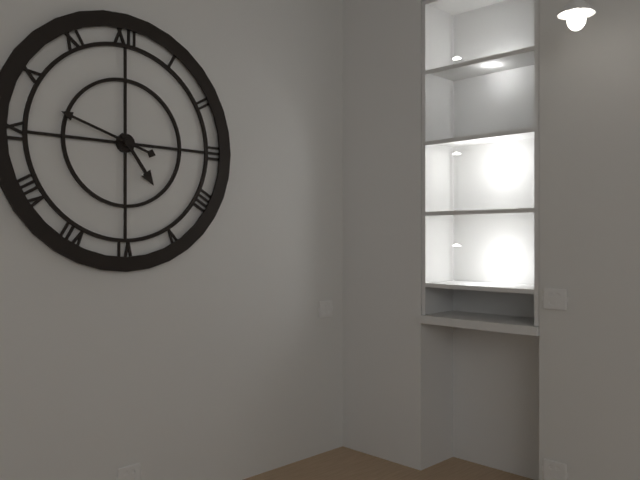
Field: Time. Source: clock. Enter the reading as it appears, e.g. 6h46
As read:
4h48
